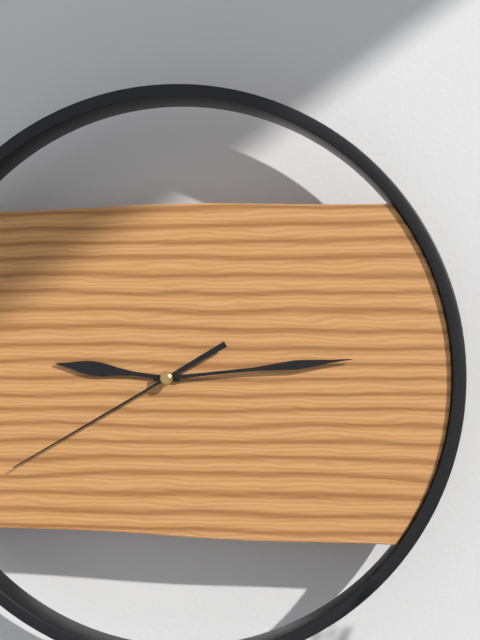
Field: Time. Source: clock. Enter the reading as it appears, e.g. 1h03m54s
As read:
9h14m40s
